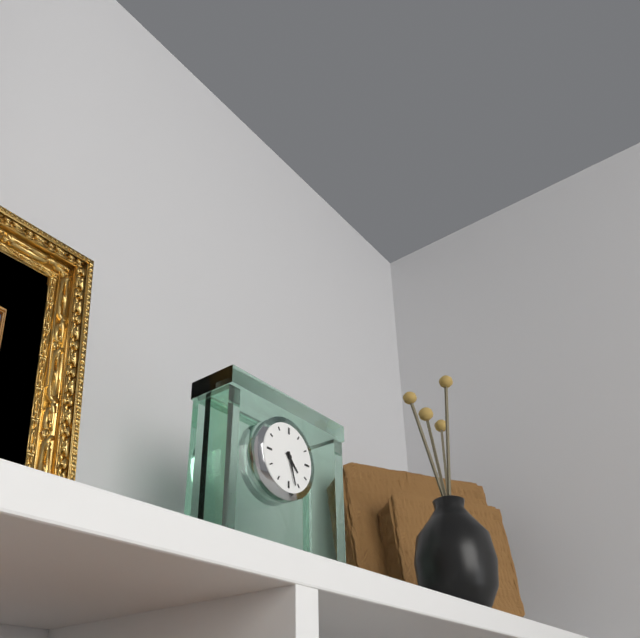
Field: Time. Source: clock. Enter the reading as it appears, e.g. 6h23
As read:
4h27
